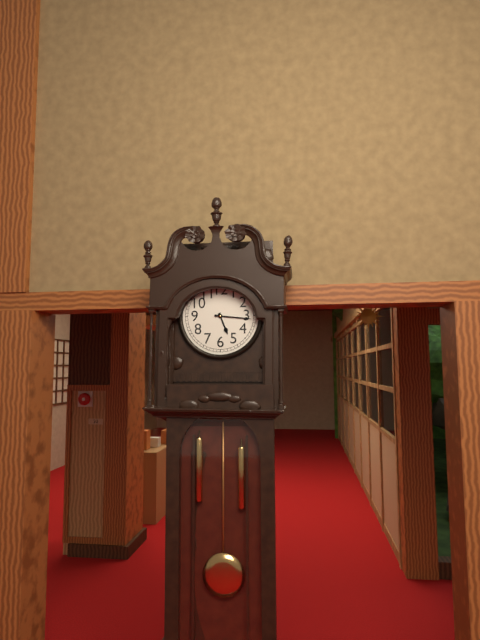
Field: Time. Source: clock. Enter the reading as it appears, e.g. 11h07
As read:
5h16
